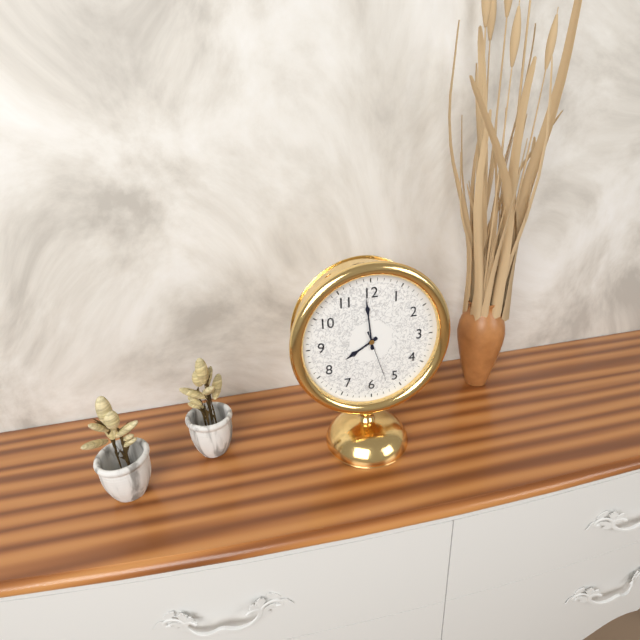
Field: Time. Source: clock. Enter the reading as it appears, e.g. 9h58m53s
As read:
7h59m27s
